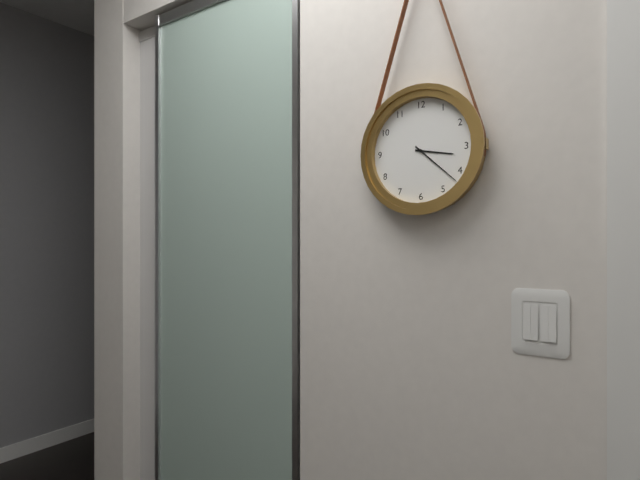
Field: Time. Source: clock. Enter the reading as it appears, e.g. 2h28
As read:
3h22
